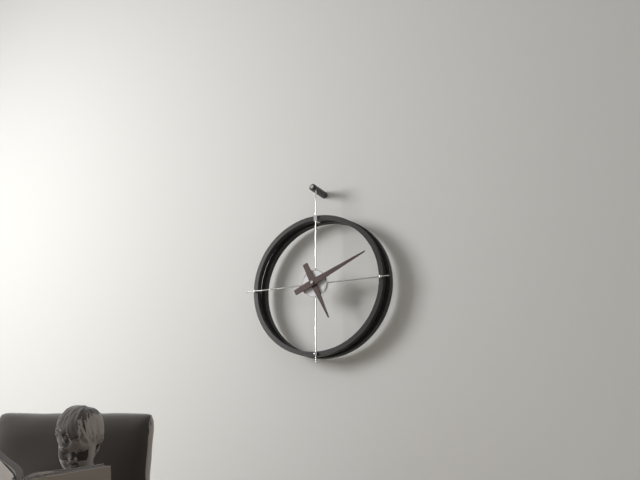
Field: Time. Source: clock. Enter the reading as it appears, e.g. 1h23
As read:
5h11
